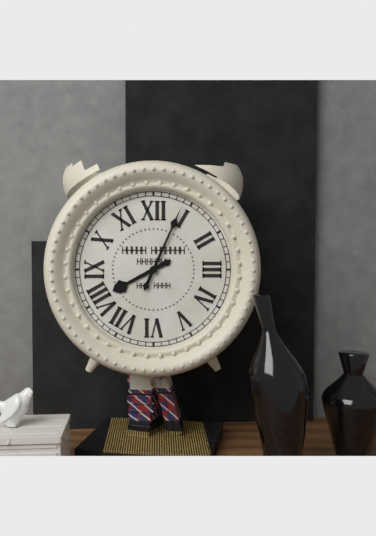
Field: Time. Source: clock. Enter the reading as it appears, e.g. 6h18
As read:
8h04
